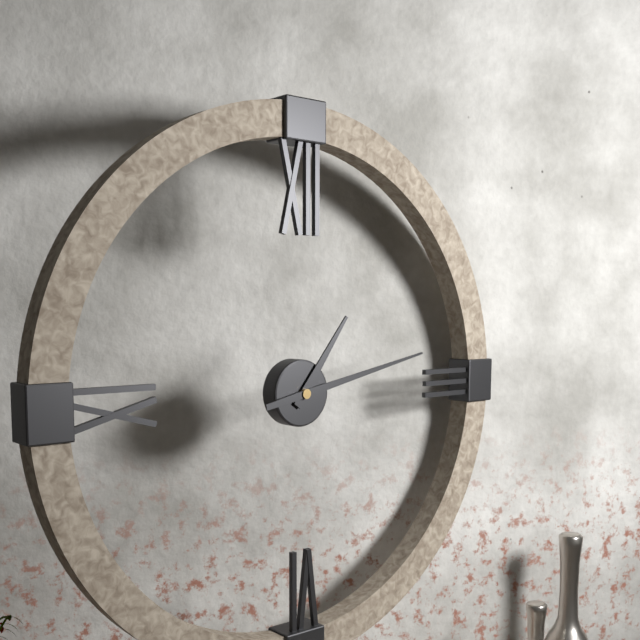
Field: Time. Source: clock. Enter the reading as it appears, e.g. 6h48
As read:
1h13
